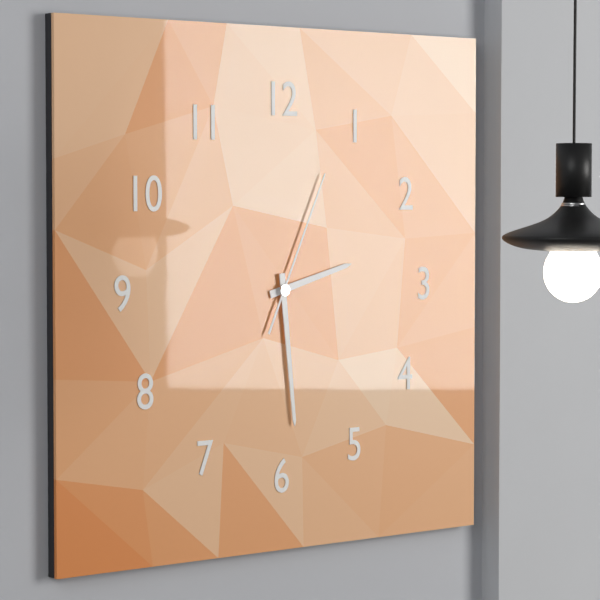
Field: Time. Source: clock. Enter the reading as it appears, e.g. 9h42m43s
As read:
2h29m04s
